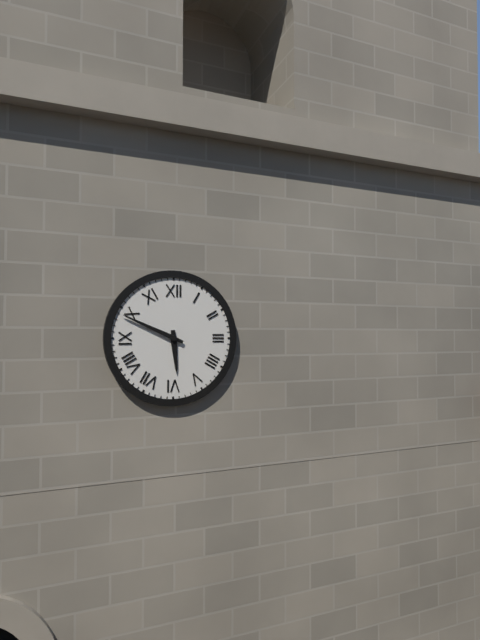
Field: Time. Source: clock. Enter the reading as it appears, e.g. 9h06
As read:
5h49
